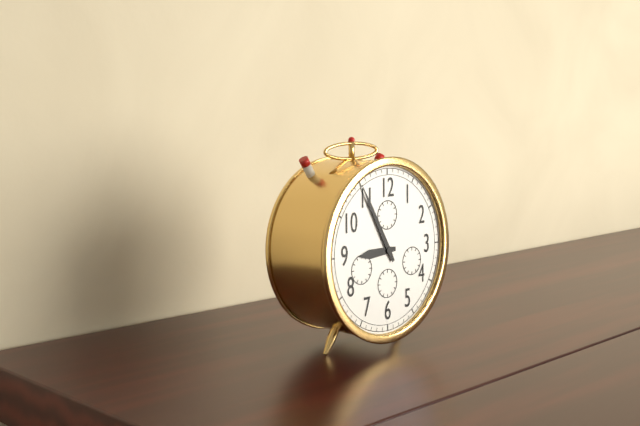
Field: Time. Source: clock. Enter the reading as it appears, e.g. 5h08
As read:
8h55
